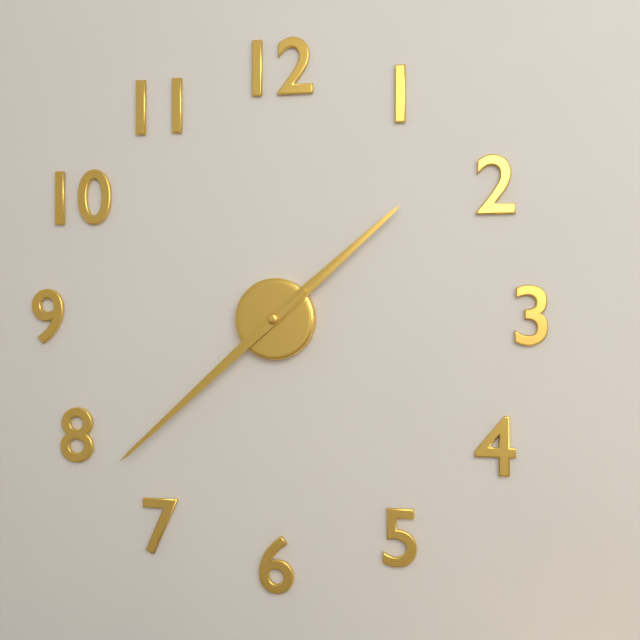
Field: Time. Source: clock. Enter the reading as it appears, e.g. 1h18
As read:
1h38
